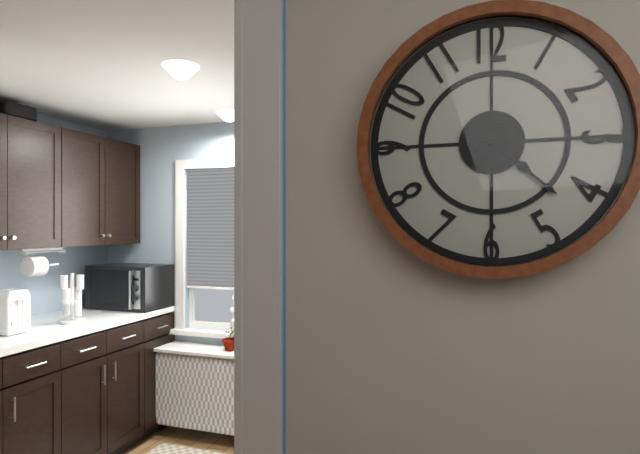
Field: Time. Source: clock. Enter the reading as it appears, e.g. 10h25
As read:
4h22
